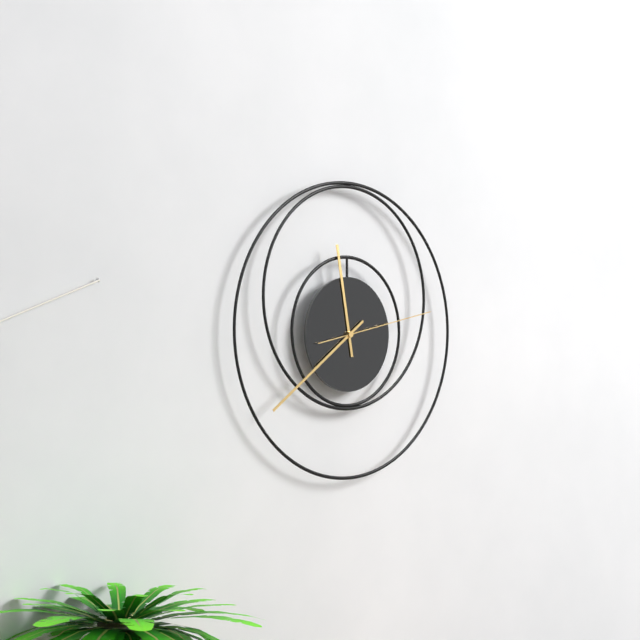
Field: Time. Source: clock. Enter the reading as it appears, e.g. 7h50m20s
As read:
11h39m13s
